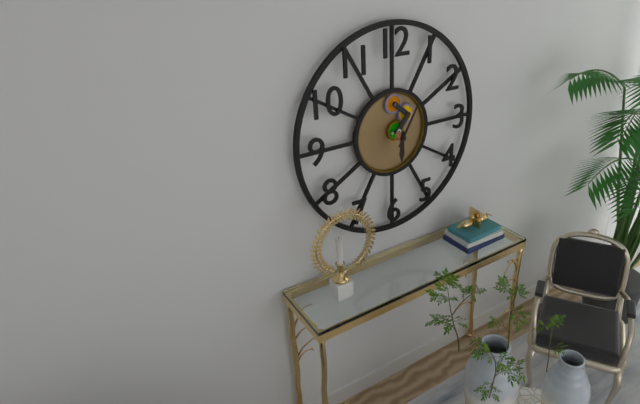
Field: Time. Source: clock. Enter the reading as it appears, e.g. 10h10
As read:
6h05
